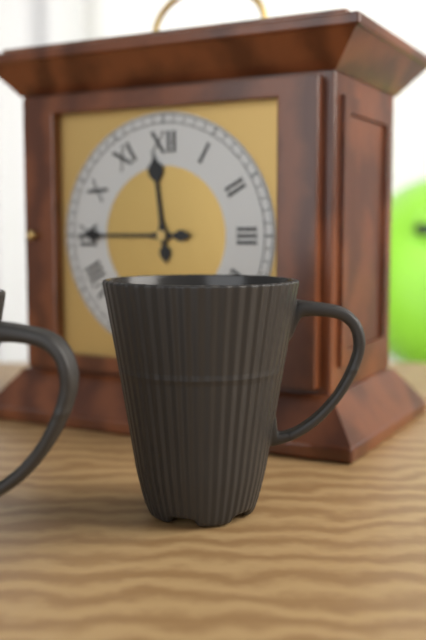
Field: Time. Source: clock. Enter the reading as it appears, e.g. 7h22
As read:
11h45
